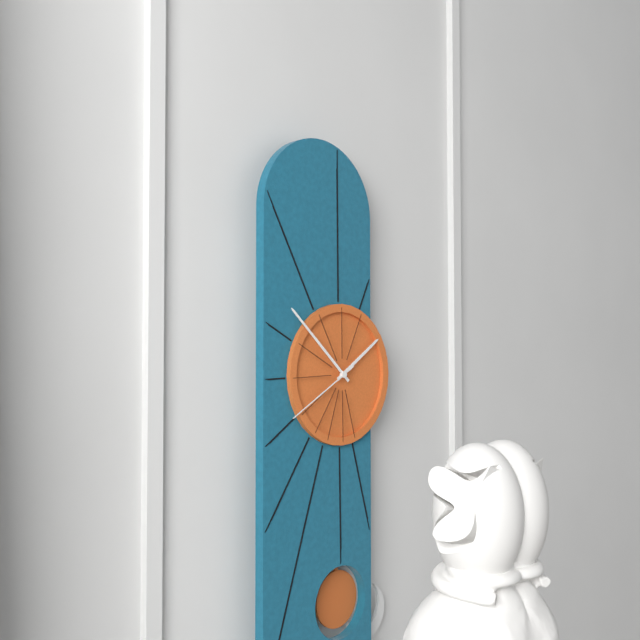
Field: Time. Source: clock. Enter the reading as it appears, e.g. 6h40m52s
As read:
1h52m40s
